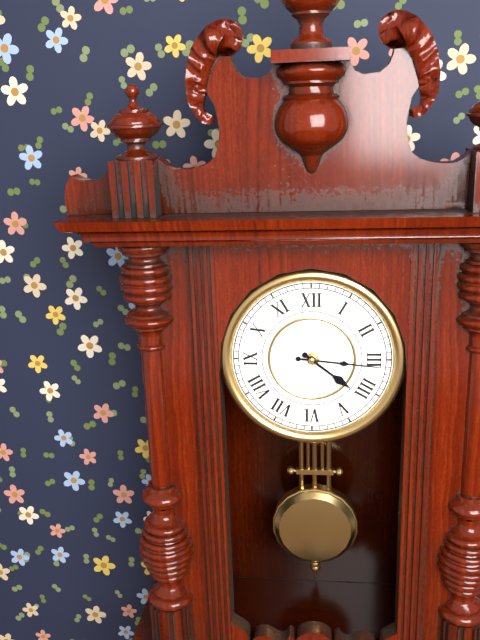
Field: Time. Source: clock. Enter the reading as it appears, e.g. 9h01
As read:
4h16
